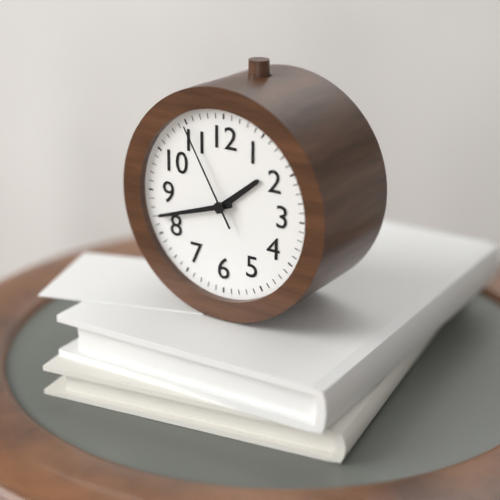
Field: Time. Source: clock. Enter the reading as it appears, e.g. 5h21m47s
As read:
1h42m55s
